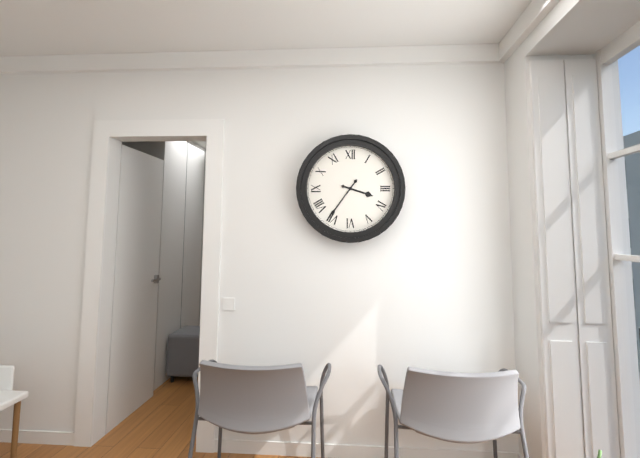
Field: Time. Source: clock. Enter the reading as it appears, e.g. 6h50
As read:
3h36
